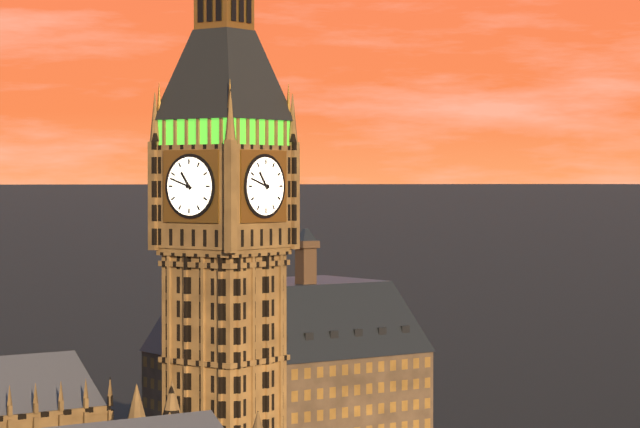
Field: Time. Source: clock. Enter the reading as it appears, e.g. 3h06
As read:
10h48
